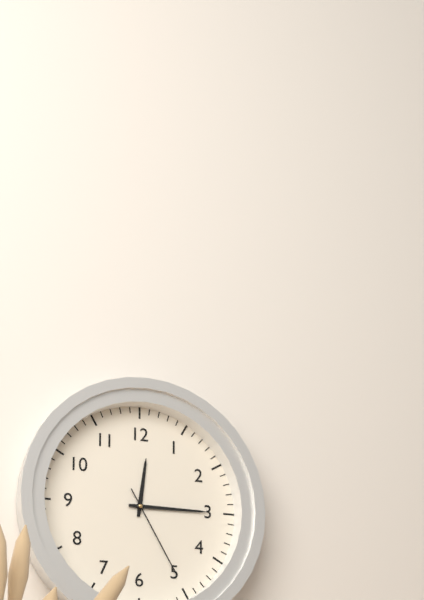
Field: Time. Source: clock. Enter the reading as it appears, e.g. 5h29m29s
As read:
12h15m25s
